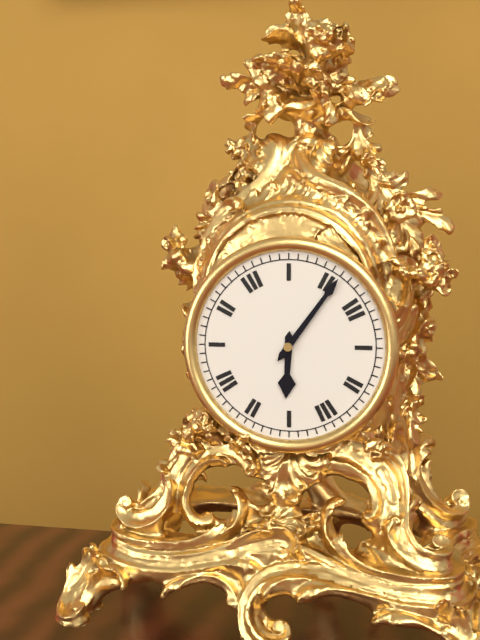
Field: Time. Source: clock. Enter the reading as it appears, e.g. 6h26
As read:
6h06
